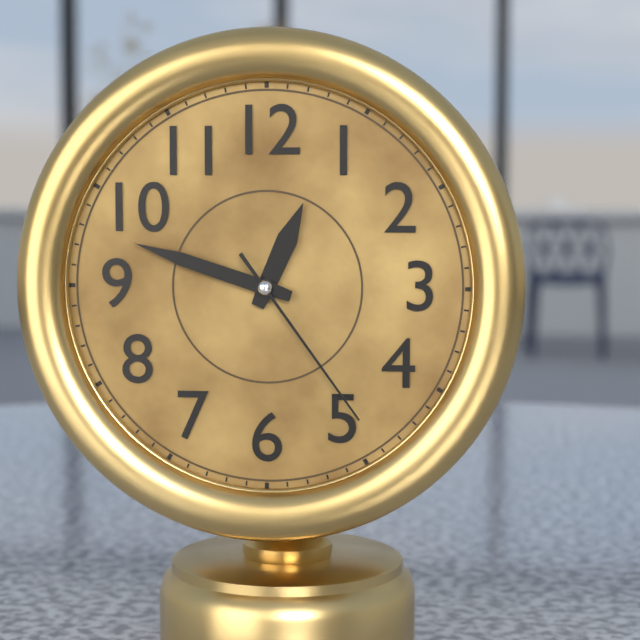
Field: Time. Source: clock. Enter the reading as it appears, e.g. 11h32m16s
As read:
12h48m24s
